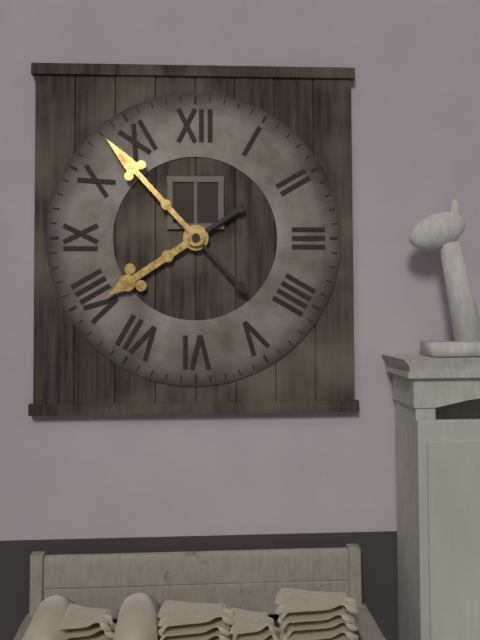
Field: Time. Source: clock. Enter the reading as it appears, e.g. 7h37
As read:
7h53
